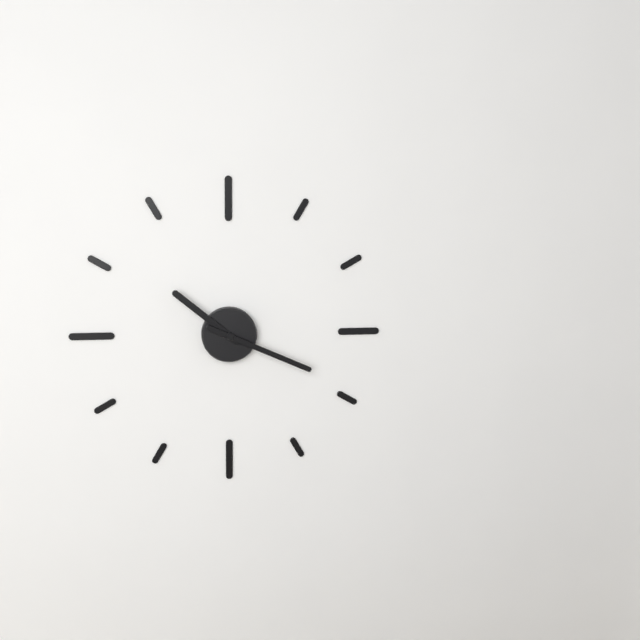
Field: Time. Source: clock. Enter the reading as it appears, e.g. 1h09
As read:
10h19
